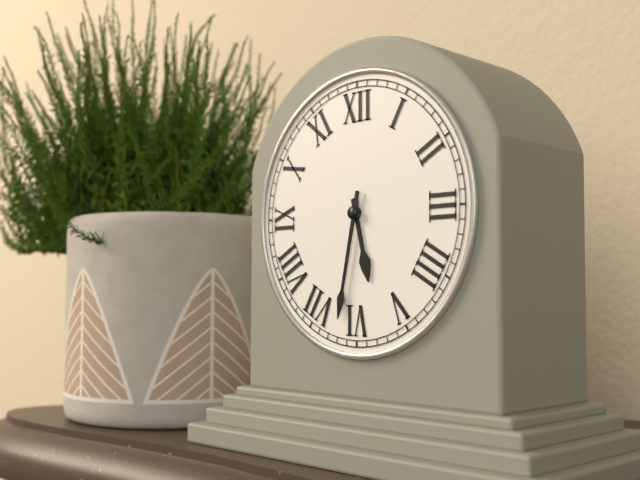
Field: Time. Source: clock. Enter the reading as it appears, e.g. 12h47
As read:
5h32
